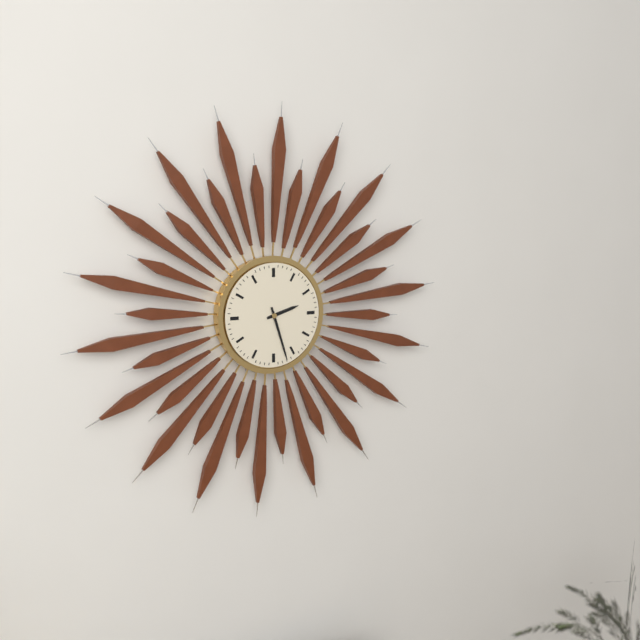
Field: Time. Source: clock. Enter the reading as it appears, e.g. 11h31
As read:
2h27
